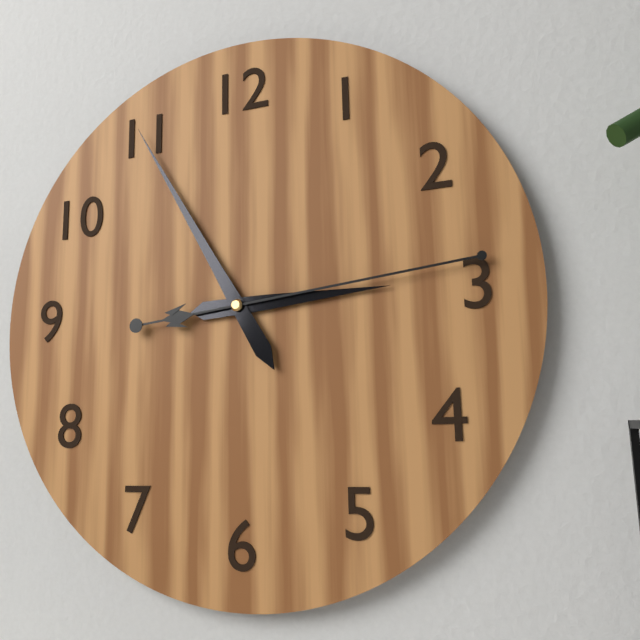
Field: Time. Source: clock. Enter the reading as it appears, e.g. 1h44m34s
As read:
2h55m14s
